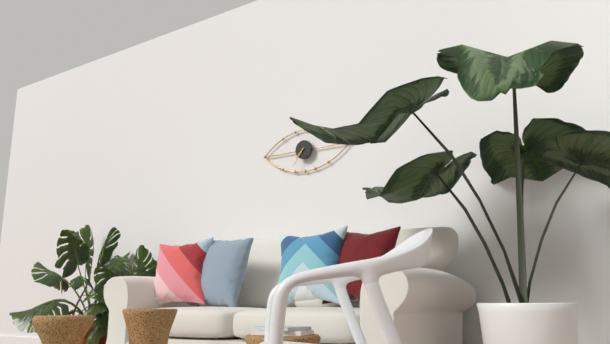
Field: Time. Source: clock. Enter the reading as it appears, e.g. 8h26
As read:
7h36
